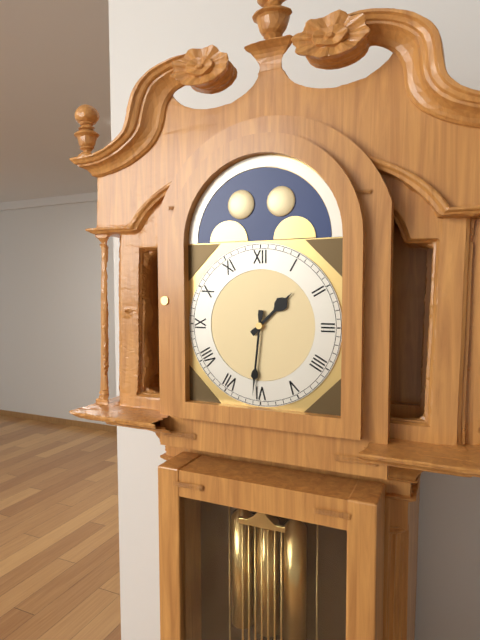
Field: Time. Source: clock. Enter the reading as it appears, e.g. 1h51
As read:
1h31
